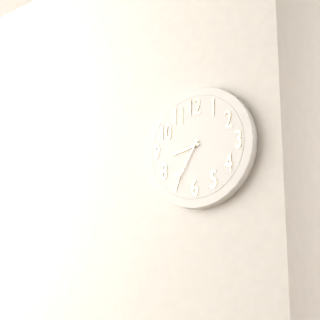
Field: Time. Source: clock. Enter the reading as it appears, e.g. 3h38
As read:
8h35
